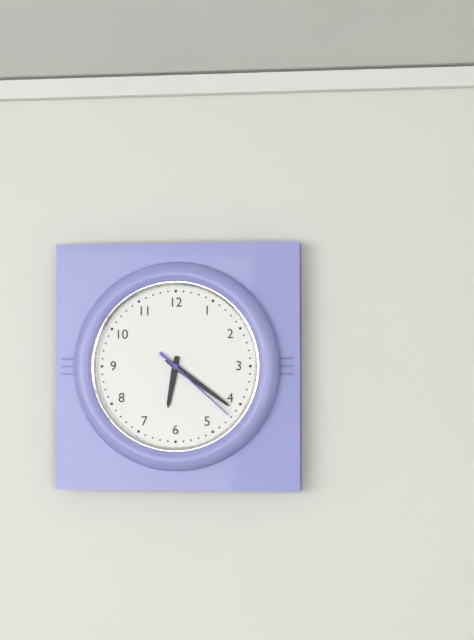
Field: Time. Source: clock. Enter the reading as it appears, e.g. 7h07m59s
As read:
6h21m22s
